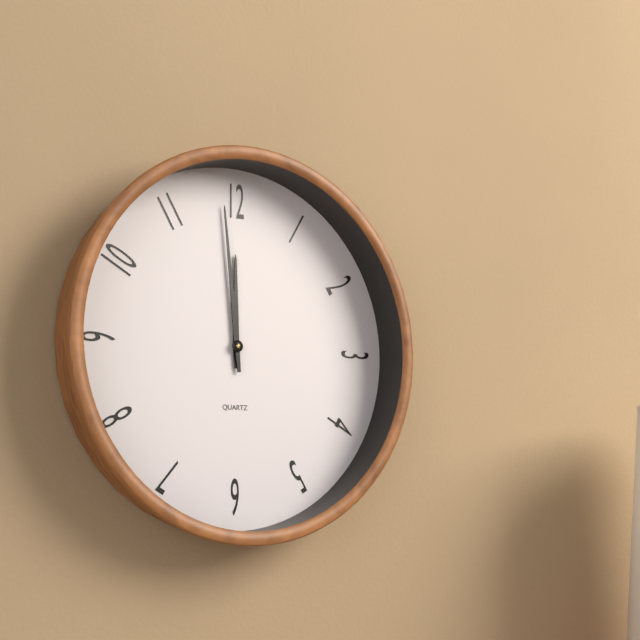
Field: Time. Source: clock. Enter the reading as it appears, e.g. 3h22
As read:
11h59
